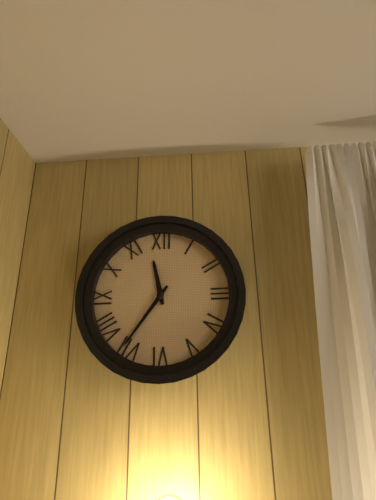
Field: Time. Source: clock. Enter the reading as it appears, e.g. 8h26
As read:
11h36
